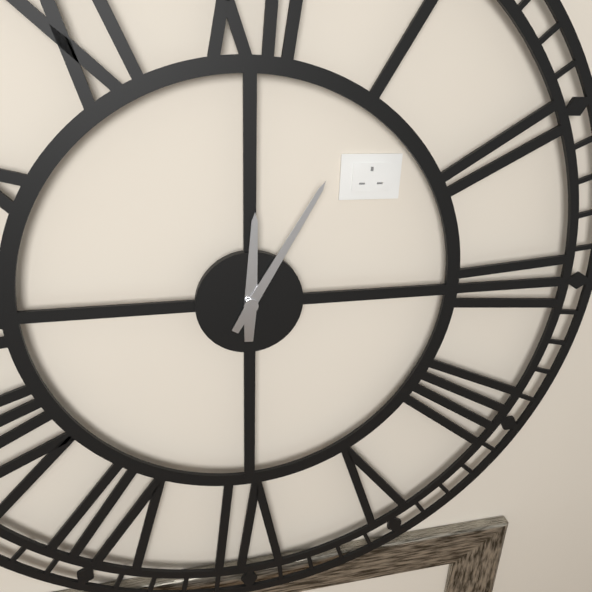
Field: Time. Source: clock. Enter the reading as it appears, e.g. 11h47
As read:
12h05
